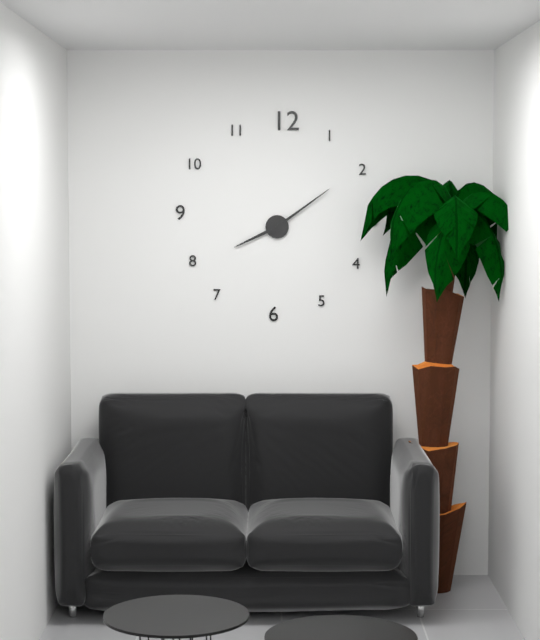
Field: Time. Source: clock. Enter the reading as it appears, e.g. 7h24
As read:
8h09
